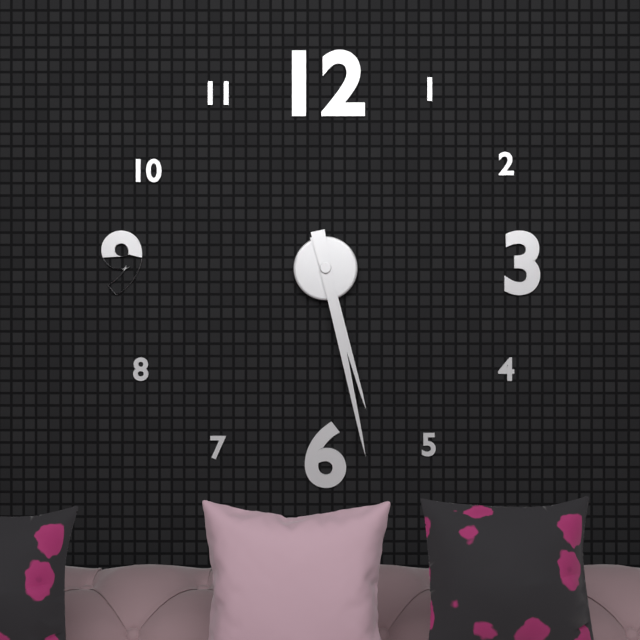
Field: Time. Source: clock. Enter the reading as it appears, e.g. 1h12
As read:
5h28
